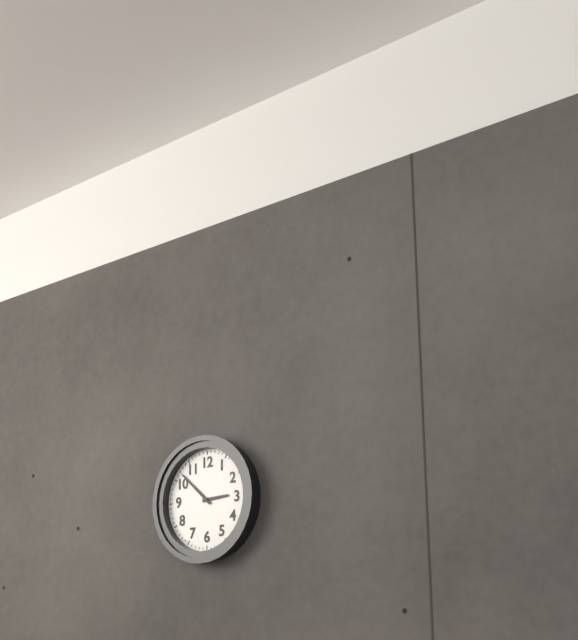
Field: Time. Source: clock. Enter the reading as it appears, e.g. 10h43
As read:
2h52
